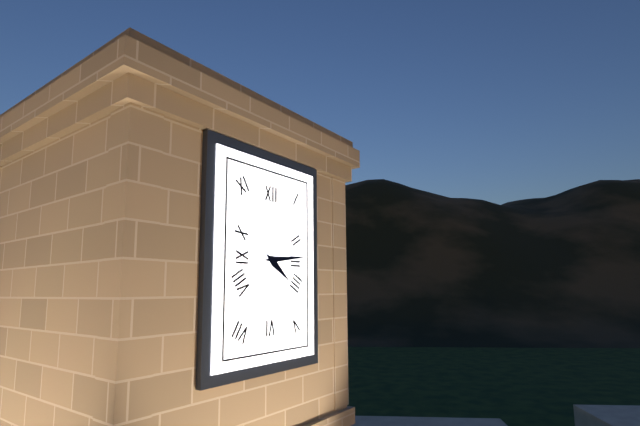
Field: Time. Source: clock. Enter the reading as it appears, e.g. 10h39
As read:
4h14
